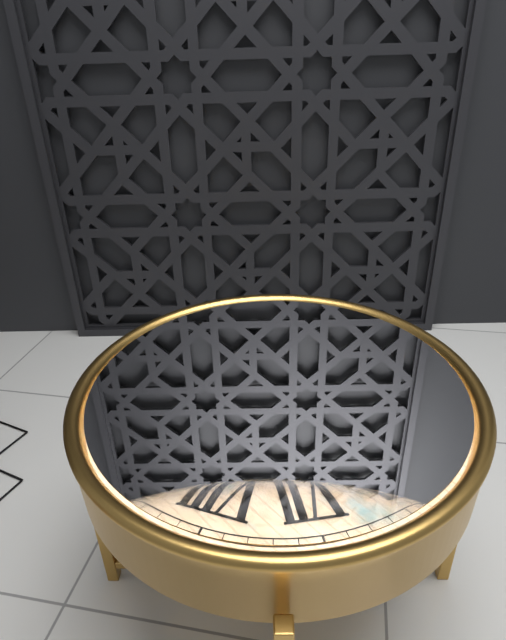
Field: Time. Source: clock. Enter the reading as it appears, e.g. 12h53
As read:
12h24
